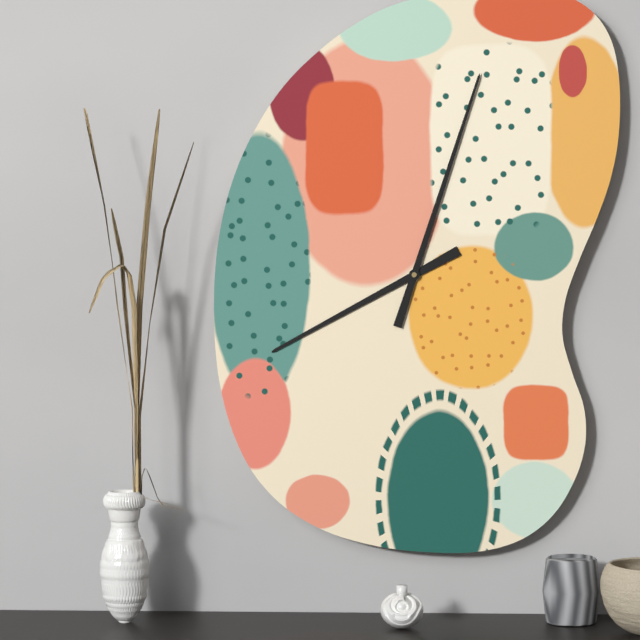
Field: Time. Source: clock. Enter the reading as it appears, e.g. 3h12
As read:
8h03
